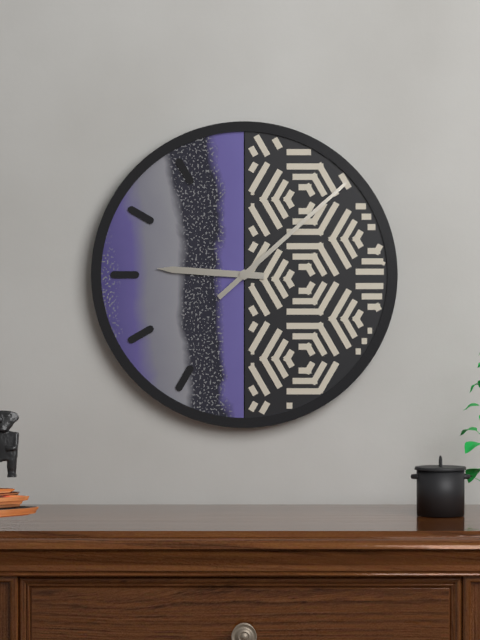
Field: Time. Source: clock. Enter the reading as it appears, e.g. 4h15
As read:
9h08
